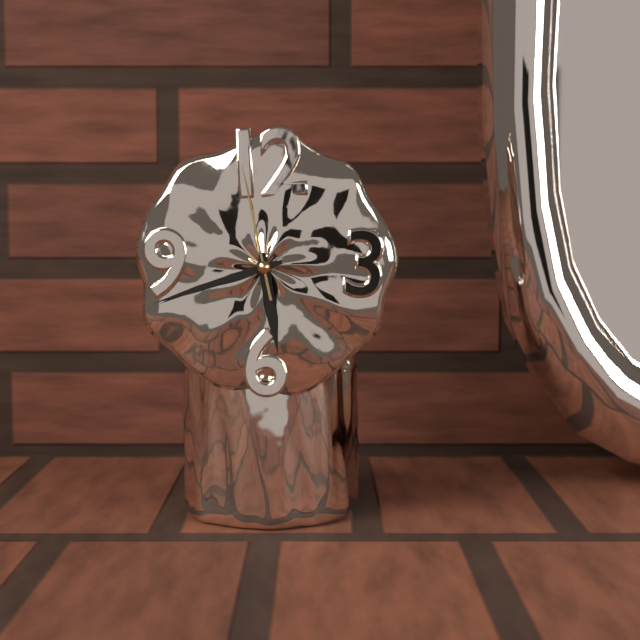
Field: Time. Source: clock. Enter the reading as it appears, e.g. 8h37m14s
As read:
5h42m58s
